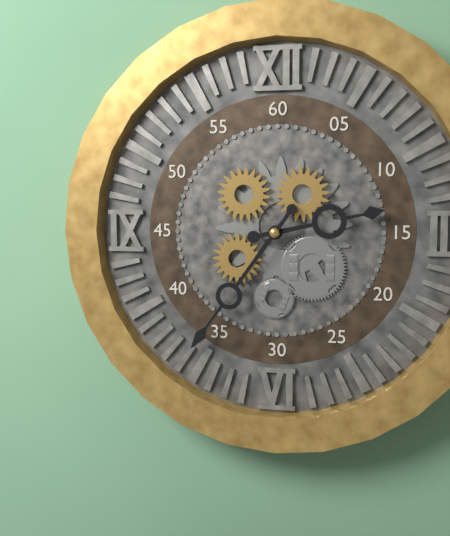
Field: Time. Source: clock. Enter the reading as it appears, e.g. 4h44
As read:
2h36
